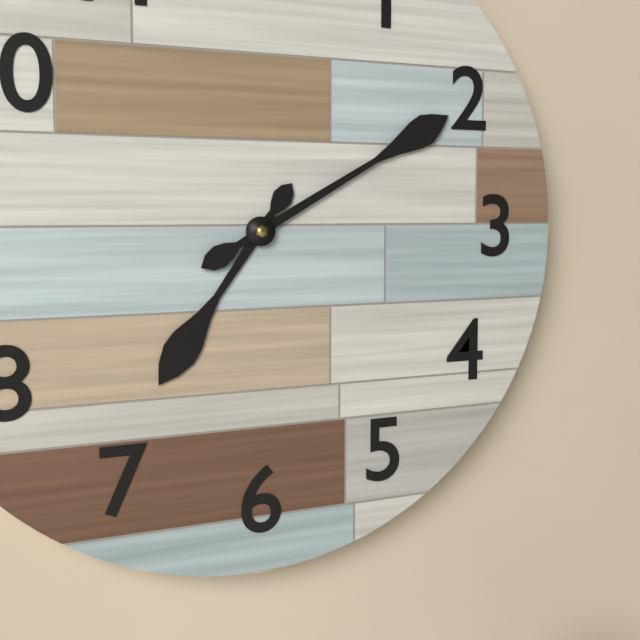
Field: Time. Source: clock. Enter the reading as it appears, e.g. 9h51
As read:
7h10
